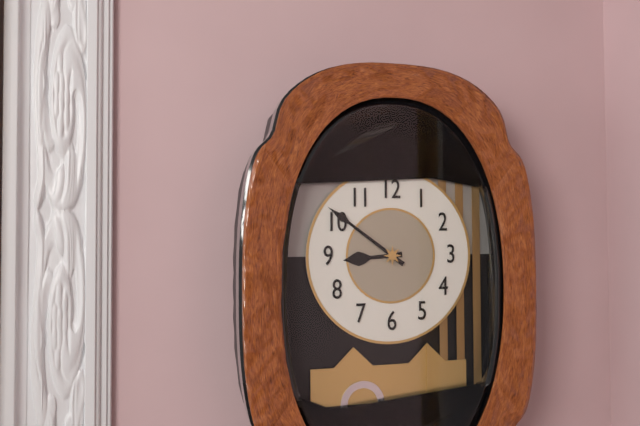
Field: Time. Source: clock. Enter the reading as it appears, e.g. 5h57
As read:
8h51
